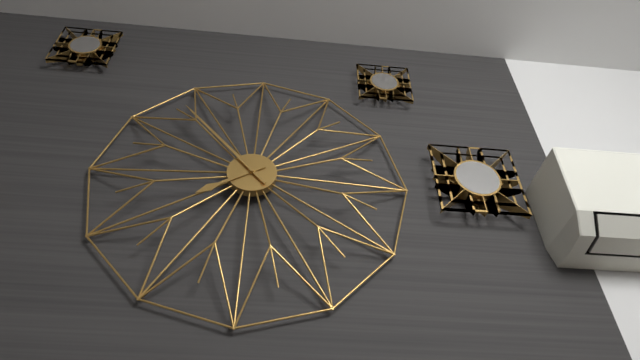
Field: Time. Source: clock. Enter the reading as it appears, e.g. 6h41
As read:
7h53
